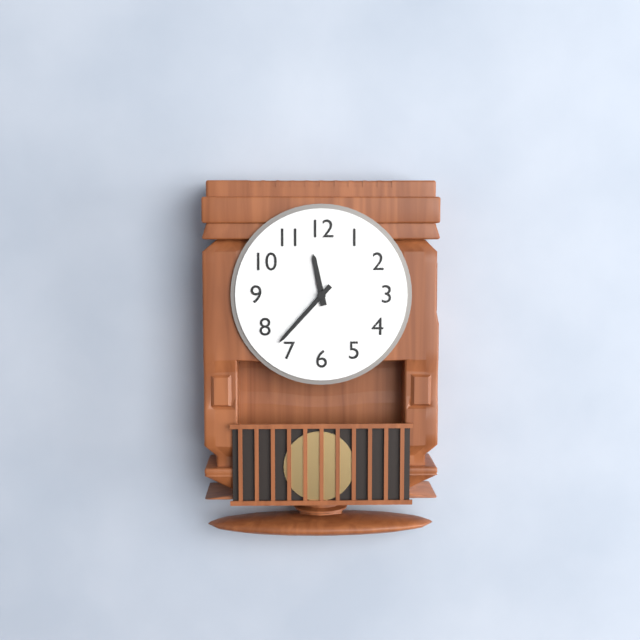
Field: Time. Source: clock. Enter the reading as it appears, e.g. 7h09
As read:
11h37
